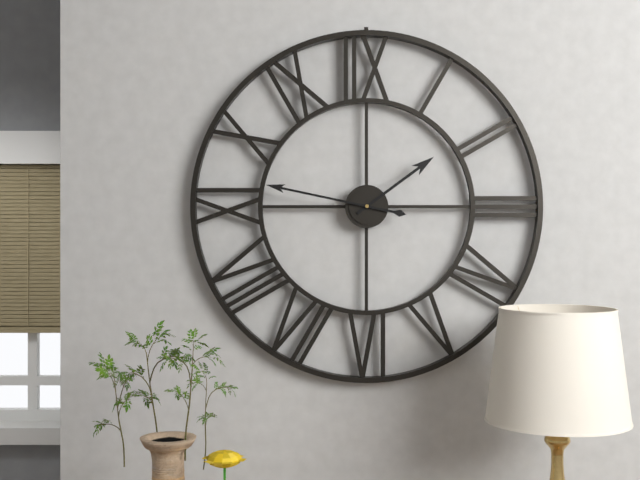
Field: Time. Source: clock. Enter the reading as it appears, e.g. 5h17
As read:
1h47
